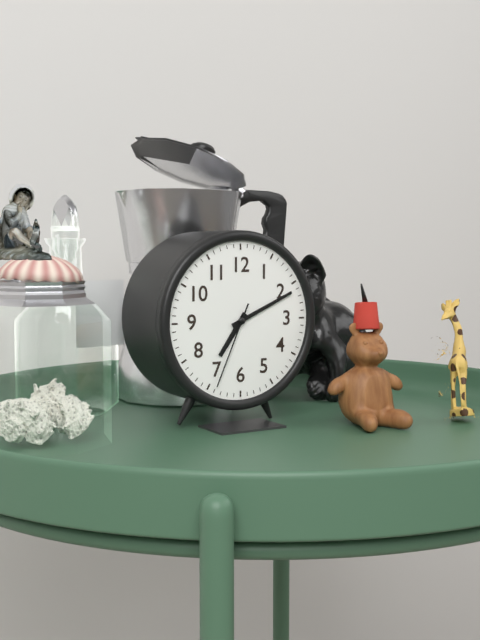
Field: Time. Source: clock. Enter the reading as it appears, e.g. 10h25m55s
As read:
7h11m34s
